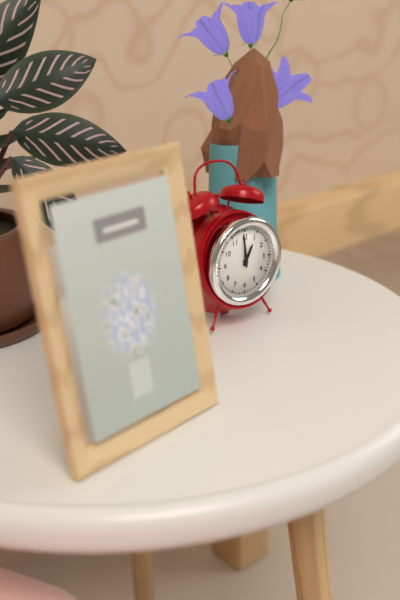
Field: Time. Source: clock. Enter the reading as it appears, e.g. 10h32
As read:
12h59
